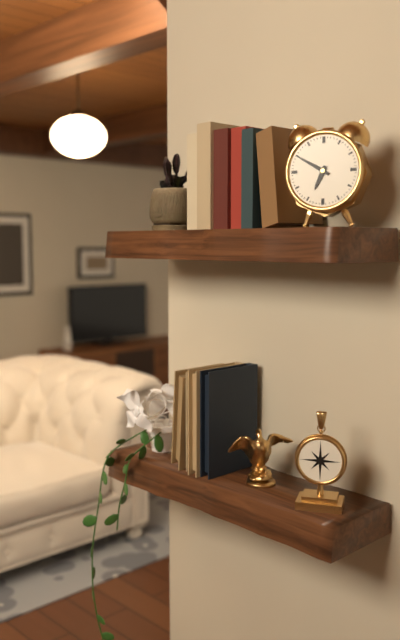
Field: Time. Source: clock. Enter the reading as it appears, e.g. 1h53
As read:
6h50
